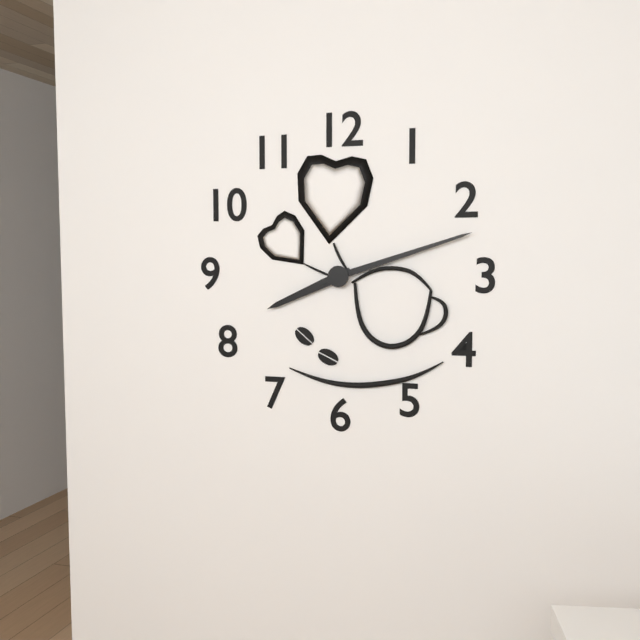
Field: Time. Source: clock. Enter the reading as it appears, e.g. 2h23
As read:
8h12
